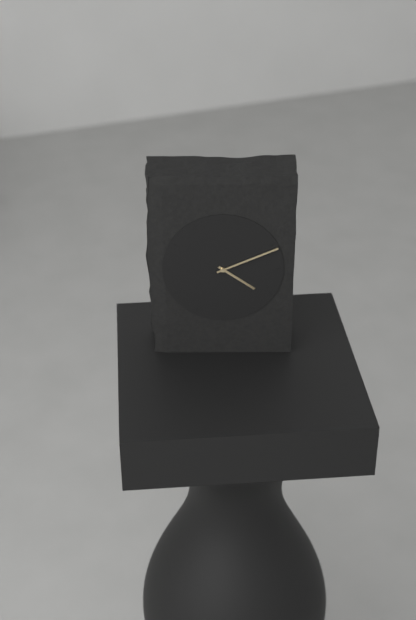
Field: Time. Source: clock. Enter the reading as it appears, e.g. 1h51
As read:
4h11
